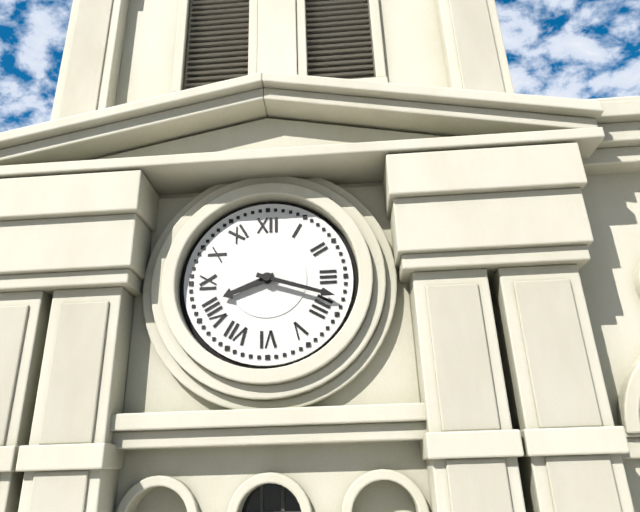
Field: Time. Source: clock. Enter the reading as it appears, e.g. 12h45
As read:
8h18
